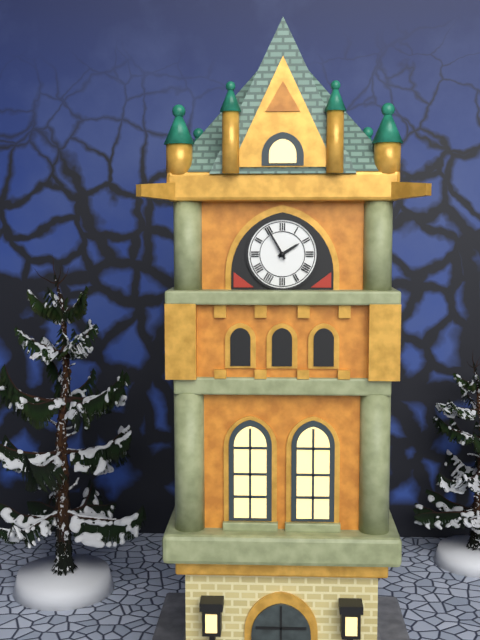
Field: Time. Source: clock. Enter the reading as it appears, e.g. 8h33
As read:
1h55
